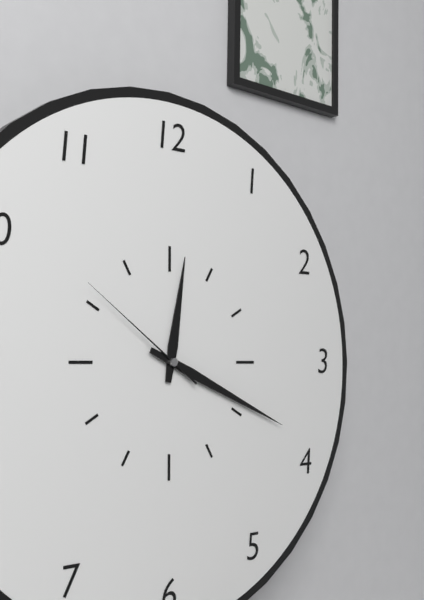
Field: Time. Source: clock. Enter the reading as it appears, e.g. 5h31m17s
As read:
12h19m51s
